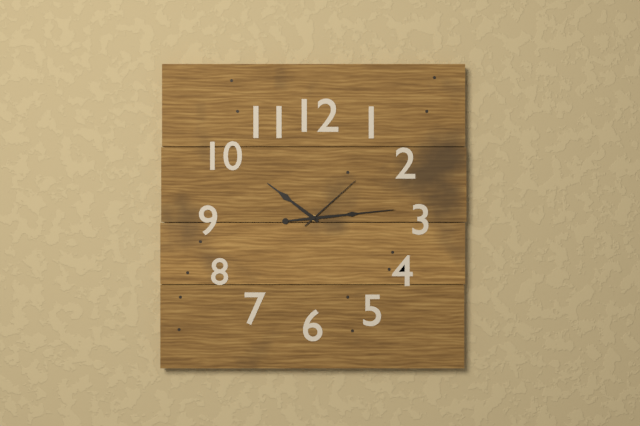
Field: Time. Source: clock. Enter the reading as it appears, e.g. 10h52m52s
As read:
10h14m08s
